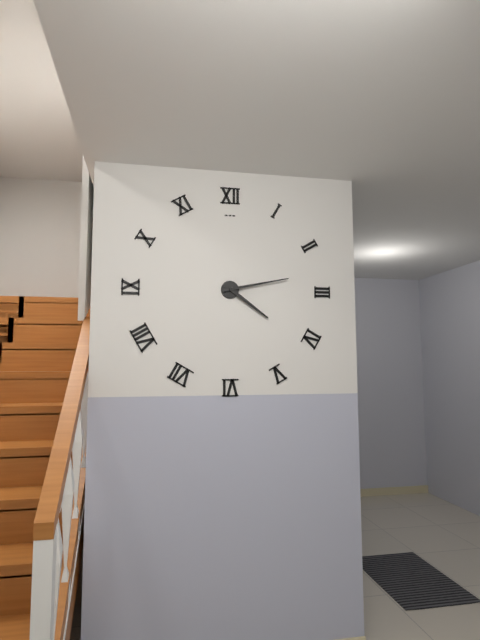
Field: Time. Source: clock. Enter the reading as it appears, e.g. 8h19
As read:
4h13
